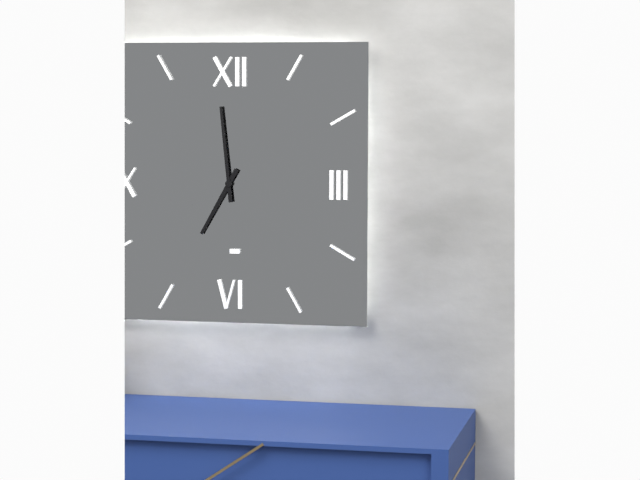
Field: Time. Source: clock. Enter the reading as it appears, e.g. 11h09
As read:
6h59
